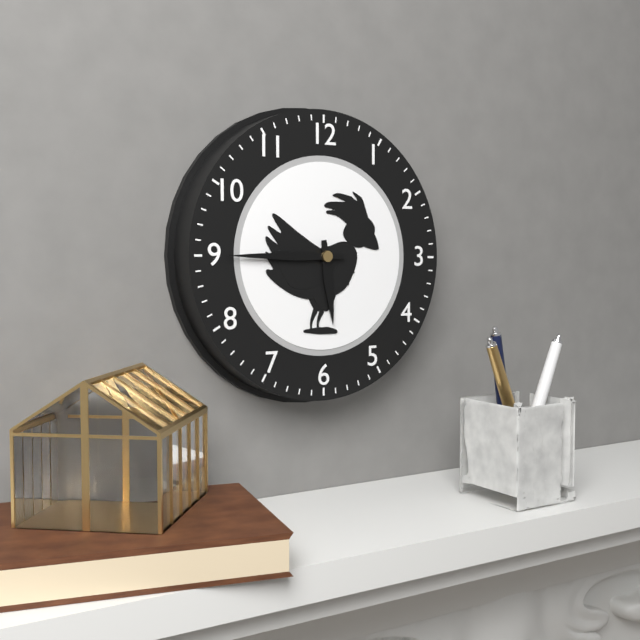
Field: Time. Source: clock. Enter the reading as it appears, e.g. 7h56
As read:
5h45
